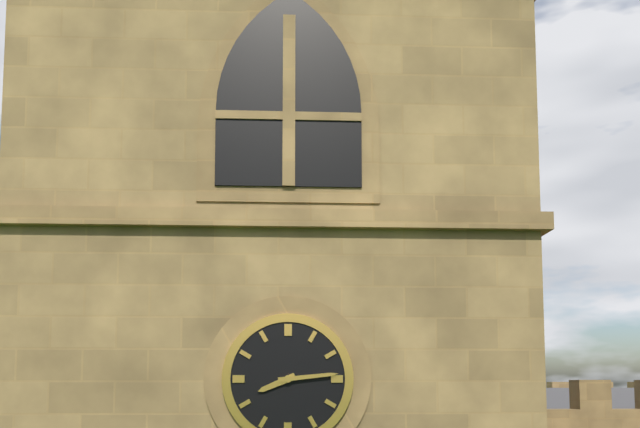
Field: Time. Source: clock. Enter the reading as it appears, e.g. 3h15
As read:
8h14
